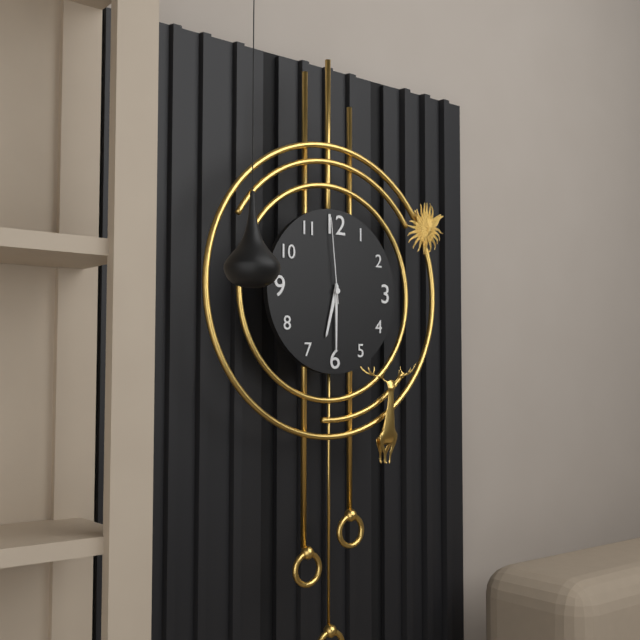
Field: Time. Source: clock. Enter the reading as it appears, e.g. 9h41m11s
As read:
6h30m59s
